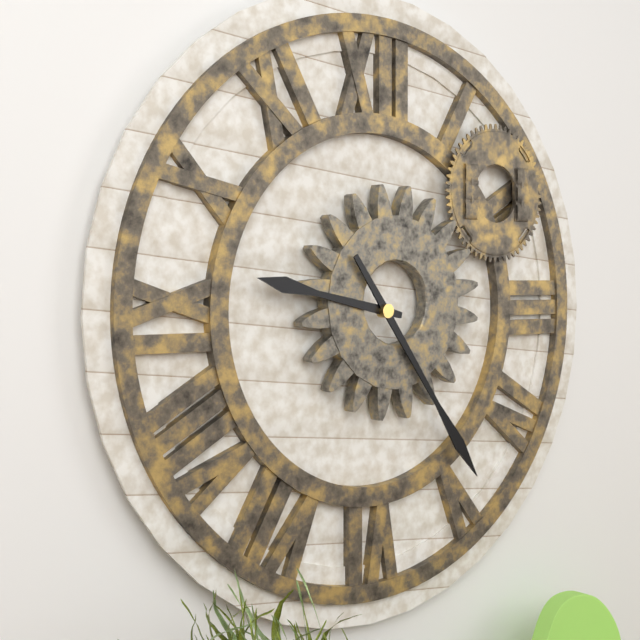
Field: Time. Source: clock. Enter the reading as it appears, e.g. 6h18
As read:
9h24
